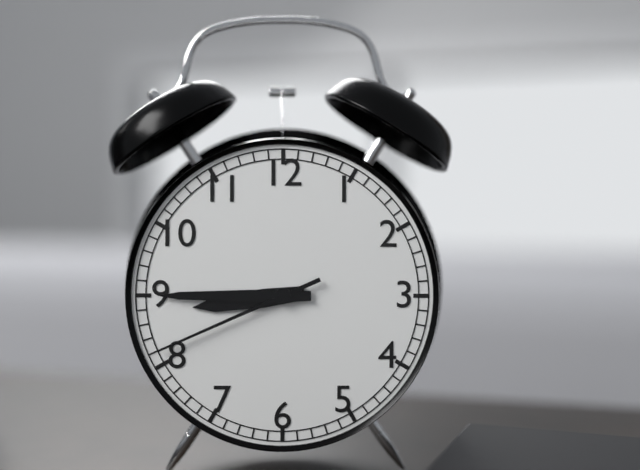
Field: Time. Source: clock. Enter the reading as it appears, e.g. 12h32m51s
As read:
8h45m41s
